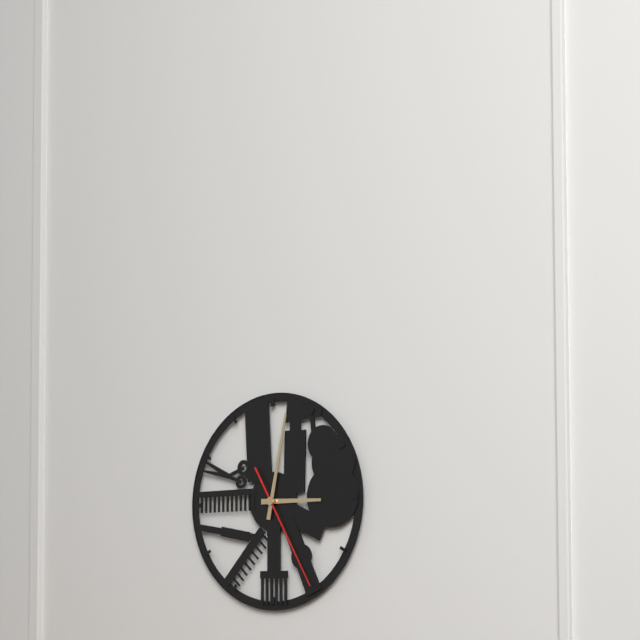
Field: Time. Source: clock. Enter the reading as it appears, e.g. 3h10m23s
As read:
3h02m25s
